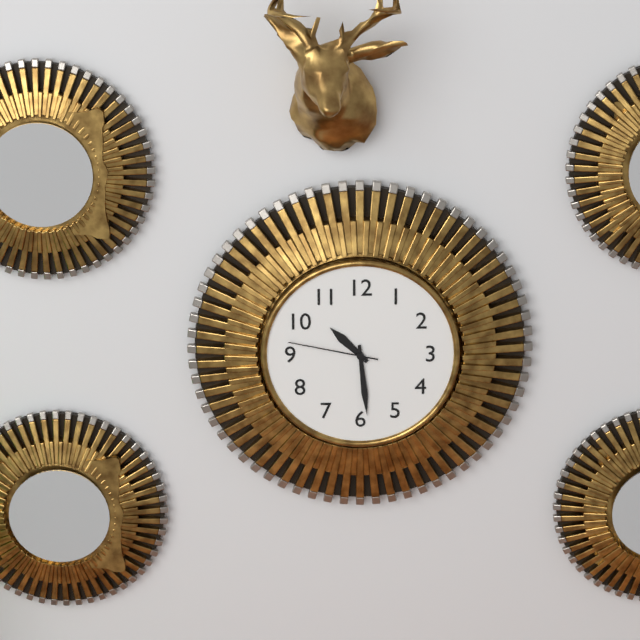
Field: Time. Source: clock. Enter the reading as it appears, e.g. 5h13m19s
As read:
10h29m47s
